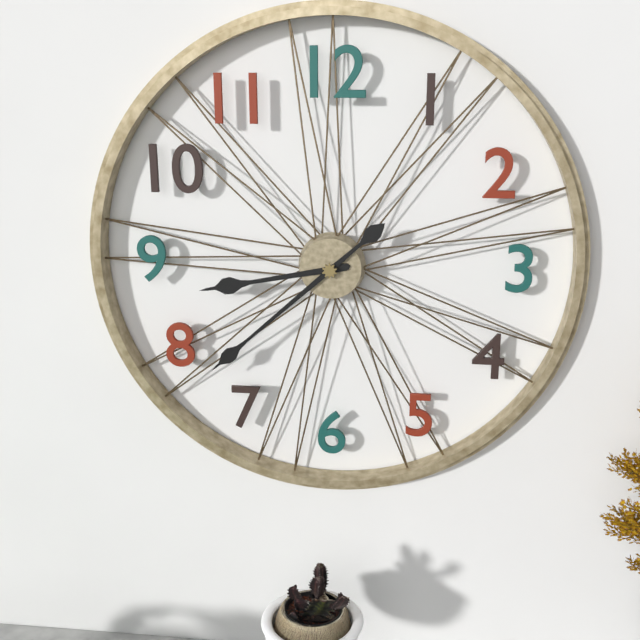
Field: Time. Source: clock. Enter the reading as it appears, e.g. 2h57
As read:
8h38
